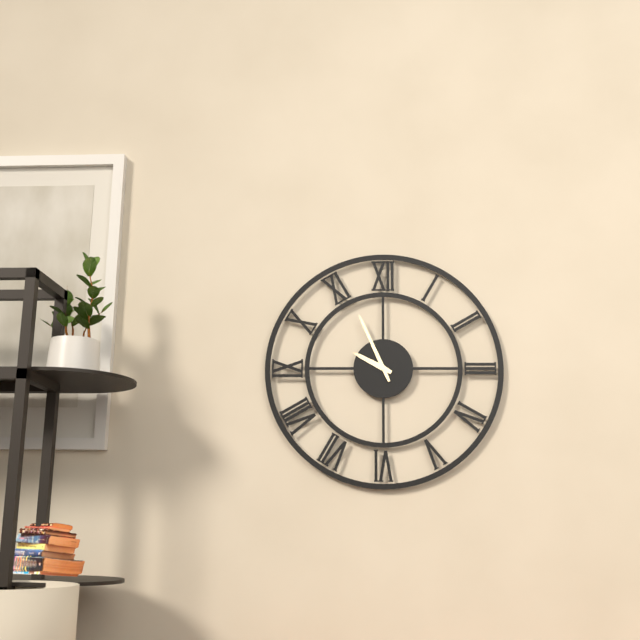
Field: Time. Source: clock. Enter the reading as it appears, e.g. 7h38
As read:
9h56
